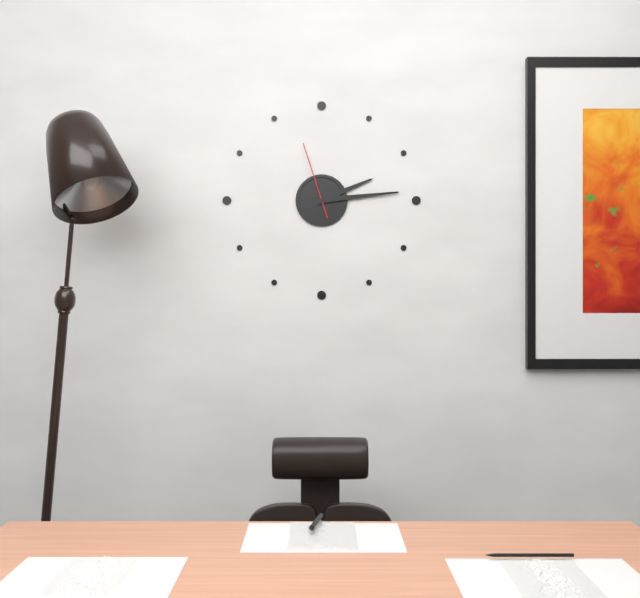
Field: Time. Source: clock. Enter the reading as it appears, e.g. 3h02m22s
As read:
2h14m57s
